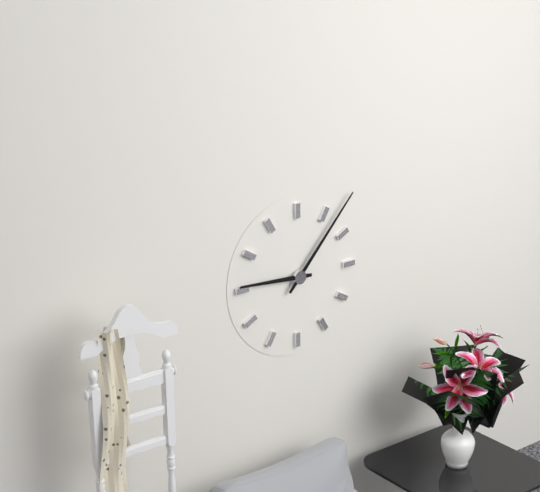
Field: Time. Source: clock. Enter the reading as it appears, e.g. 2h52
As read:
9h07
